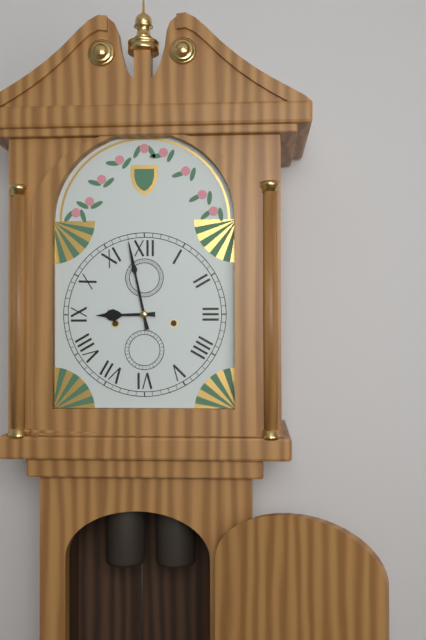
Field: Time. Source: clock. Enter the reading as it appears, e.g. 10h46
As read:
8h58
